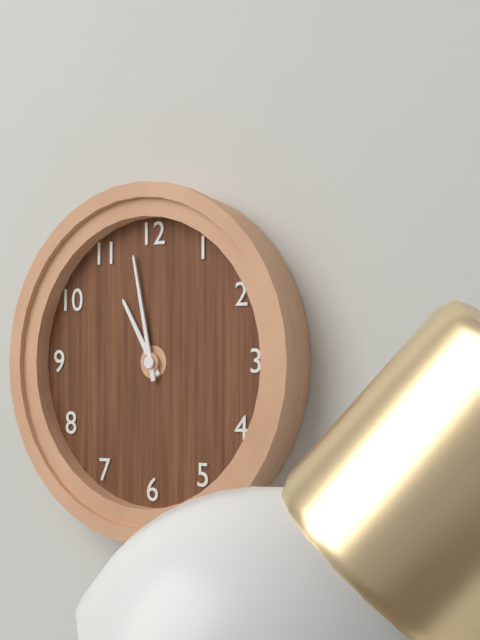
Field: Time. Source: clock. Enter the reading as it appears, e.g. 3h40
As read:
10h58
